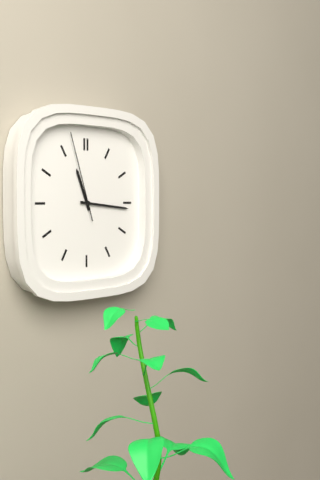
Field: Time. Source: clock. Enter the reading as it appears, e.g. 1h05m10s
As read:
11h16m57s
